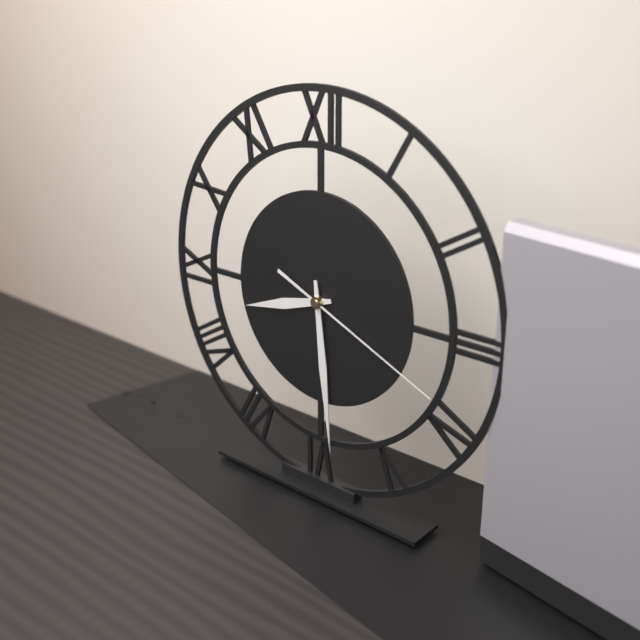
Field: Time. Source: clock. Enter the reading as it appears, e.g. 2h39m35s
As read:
8h29m19s
